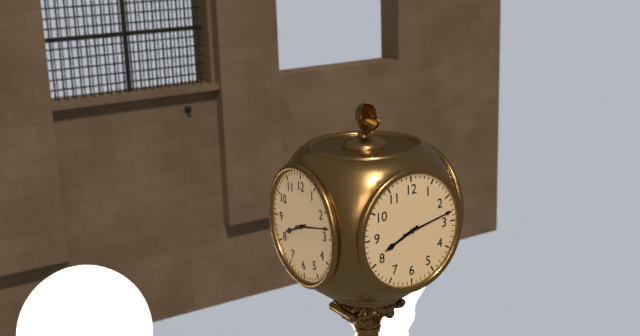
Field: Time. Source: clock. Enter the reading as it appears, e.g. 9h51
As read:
8h13
